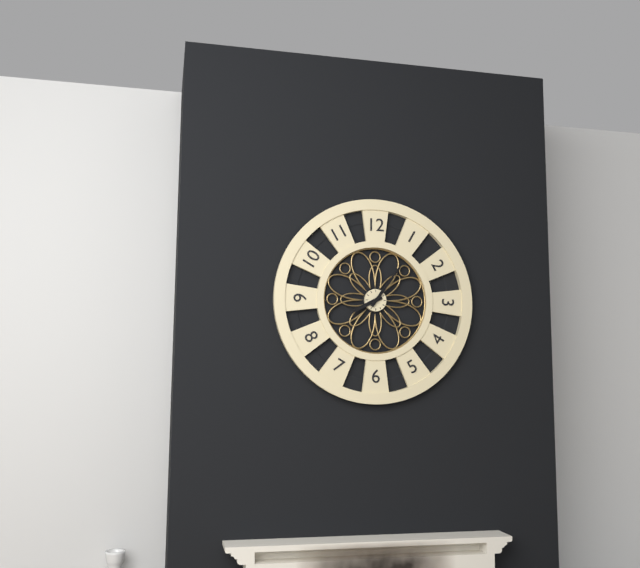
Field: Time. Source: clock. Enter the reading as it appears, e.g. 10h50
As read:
8h06
